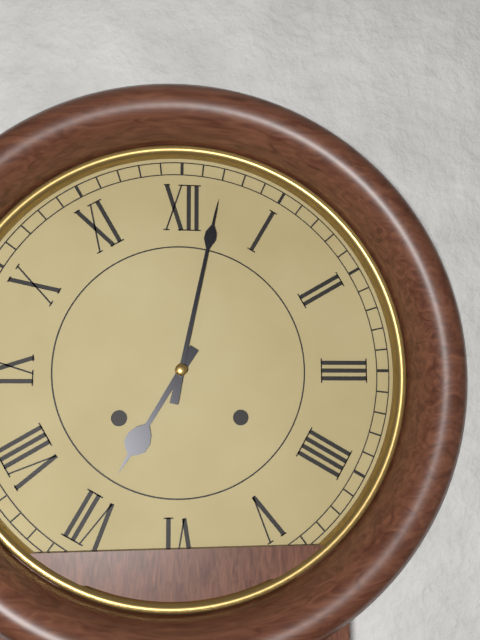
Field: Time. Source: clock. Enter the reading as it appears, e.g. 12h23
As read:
7h02
